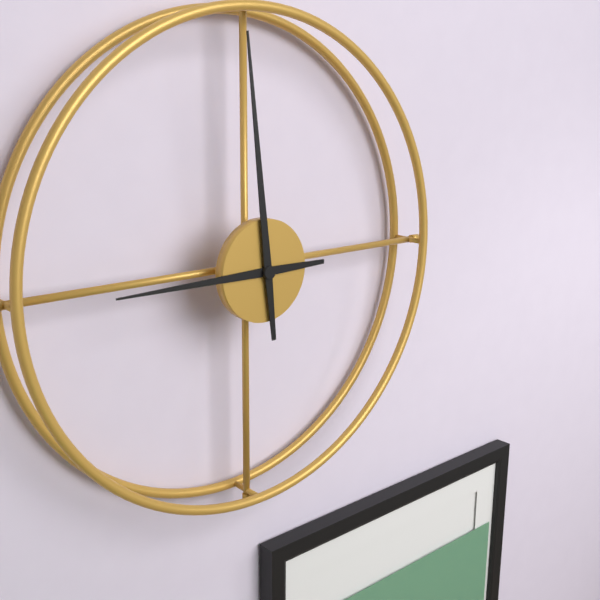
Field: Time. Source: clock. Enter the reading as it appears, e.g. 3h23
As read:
8h59
